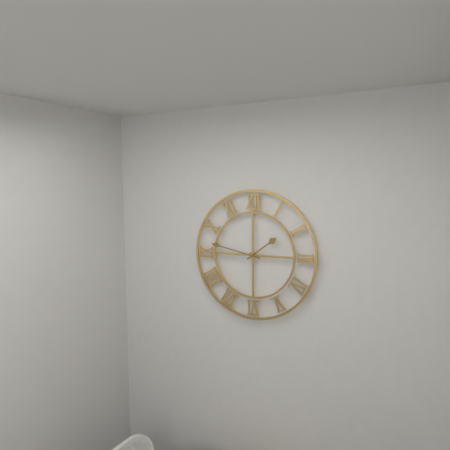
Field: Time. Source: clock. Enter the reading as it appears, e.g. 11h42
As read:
1h47
